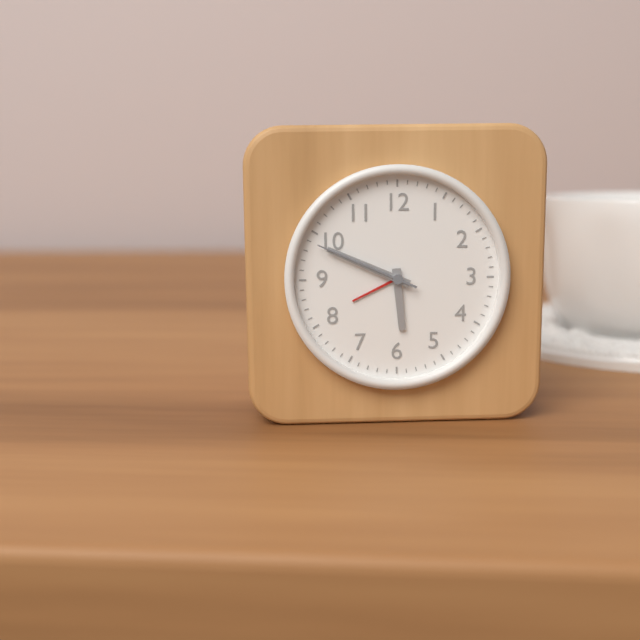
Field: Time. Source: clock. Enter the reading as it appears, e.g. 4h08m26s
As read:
5h49m49s
